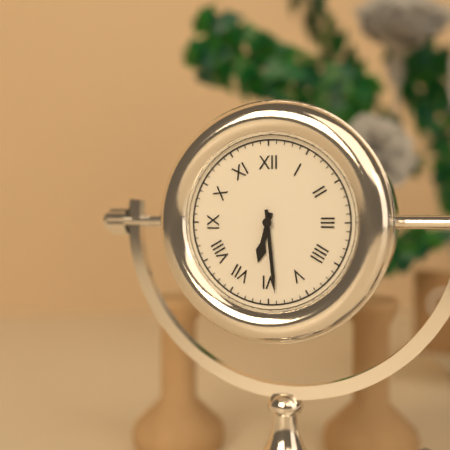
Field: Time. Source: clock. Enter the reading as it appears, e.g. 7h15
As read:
6h29
